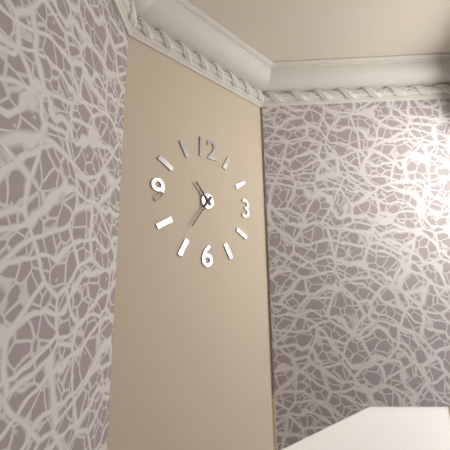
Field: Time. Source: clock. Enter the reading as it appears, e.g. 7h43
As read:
10h36
